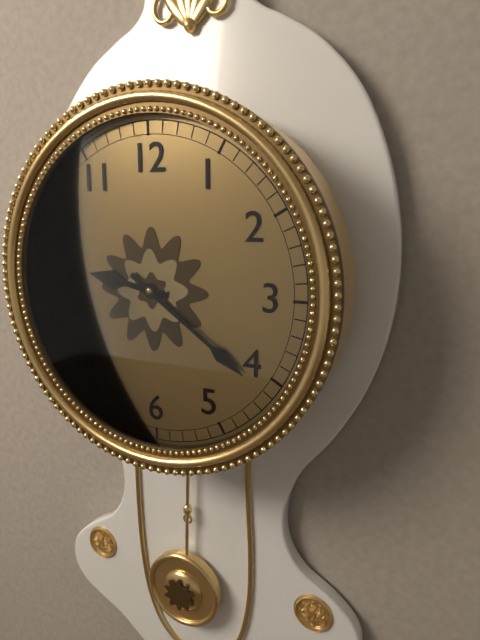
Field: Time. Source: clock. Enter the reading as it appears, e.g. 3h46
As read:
9h21
